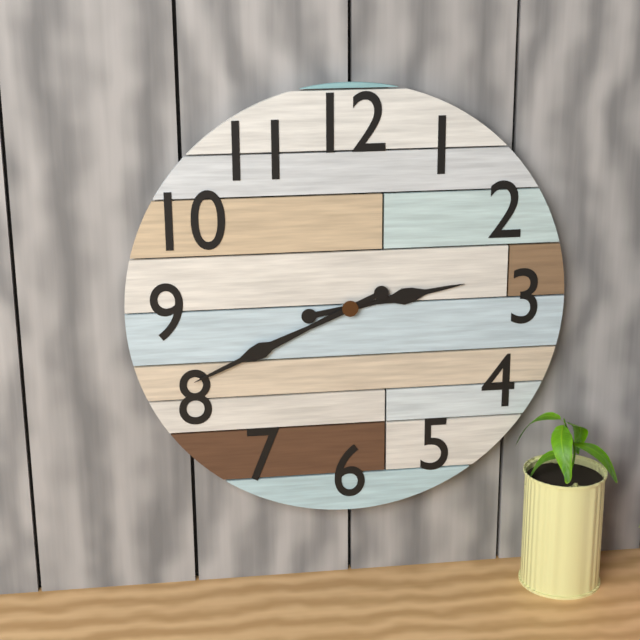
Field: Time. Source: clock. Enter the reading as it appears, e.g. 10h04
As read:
2h41
